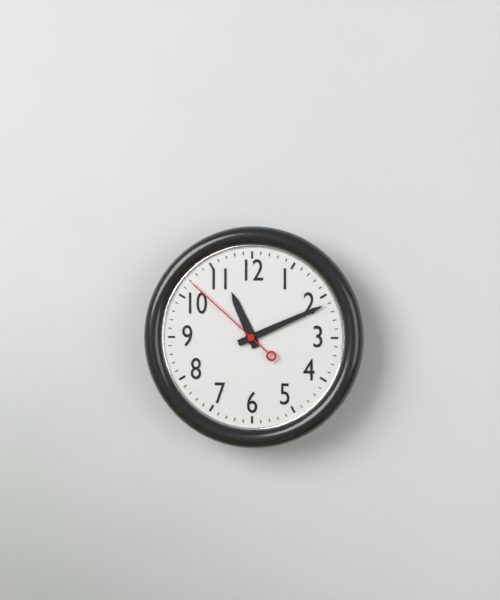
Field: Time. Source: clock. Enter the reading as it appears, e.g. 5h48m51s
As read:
11h11m52s
